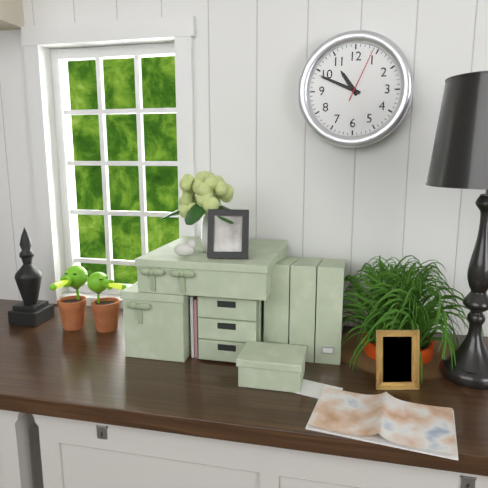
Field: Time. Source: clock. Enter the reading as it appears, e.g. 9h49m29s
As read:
10h49m04s
